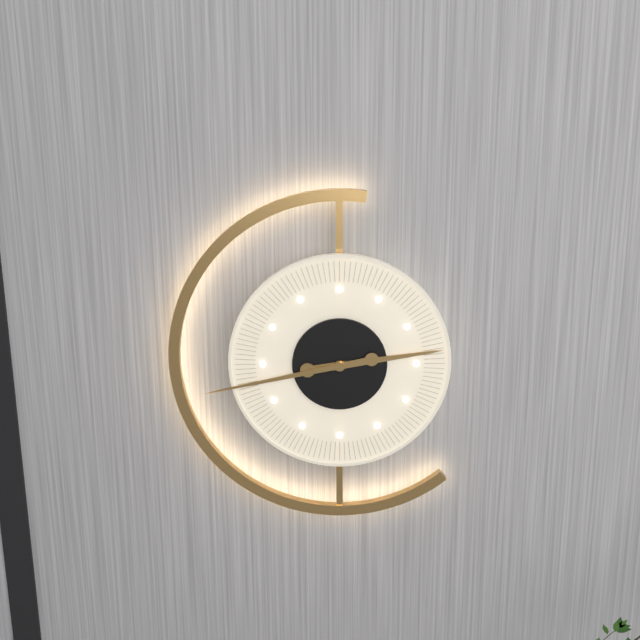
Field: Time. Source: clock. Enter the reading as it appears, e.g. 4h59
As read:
2h43
